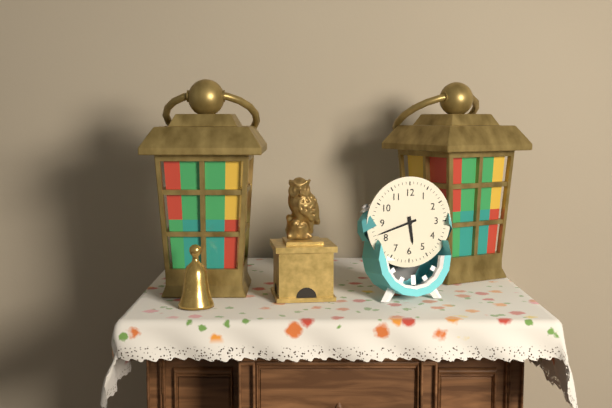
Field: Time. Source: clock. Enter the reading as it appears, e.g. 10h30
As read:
5h42
